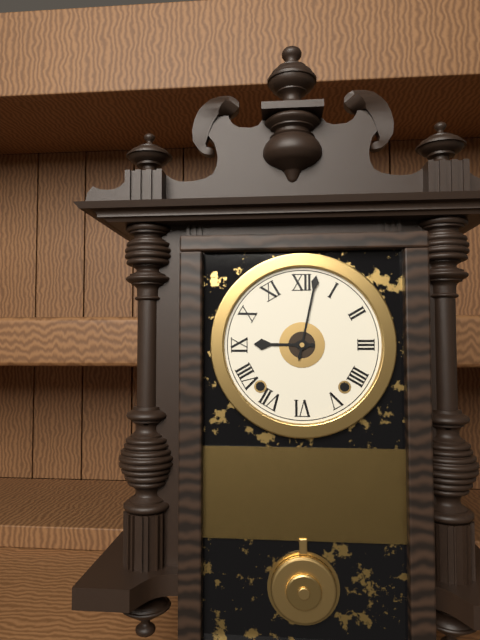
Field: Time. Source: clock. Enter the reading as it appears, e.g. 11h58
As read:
9h02
